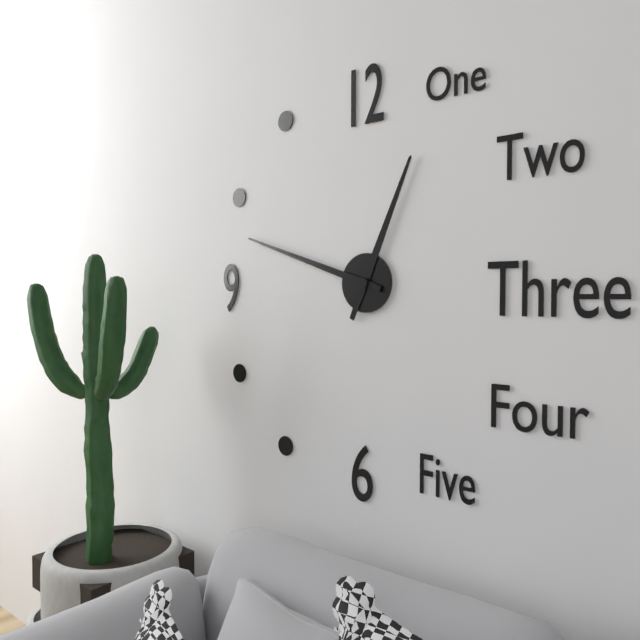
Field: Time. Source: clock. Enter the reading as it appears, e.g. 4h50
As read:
12h48
